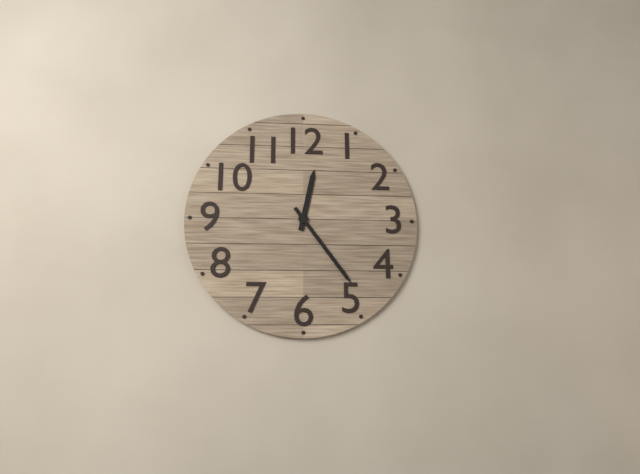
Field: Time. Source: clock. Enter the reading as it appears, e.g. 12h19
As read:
12h24
